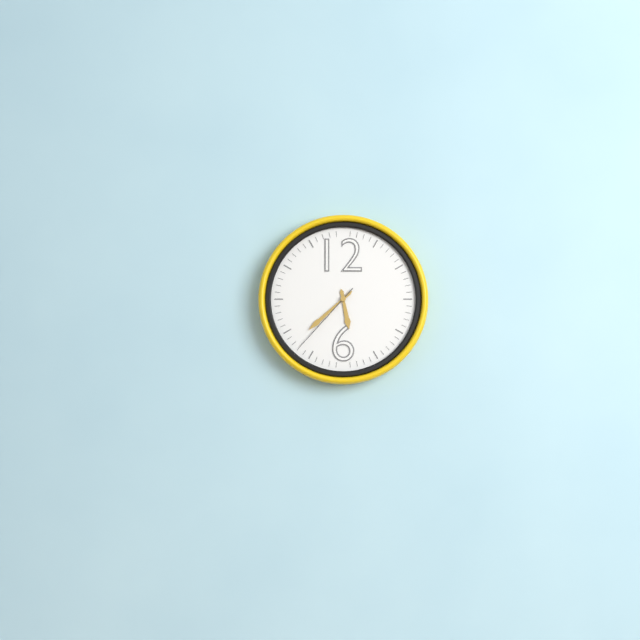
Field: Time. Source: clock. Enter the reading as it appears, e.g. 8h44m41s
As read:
5h38m37s
